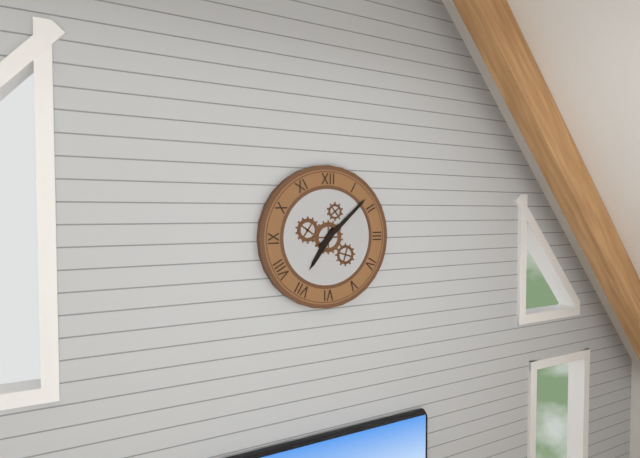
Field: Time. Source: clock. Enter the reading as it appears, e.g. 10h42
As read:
7h08
